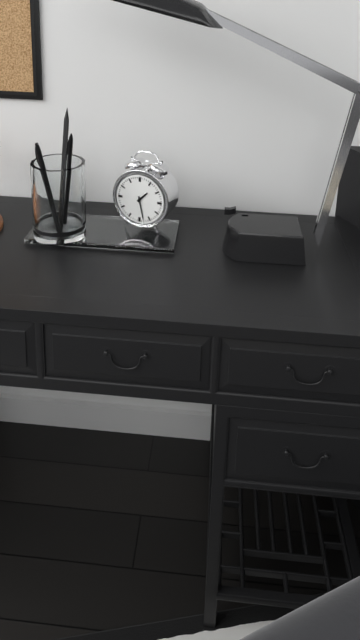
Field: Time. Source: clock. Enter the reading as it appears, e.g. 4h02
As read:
1h28
